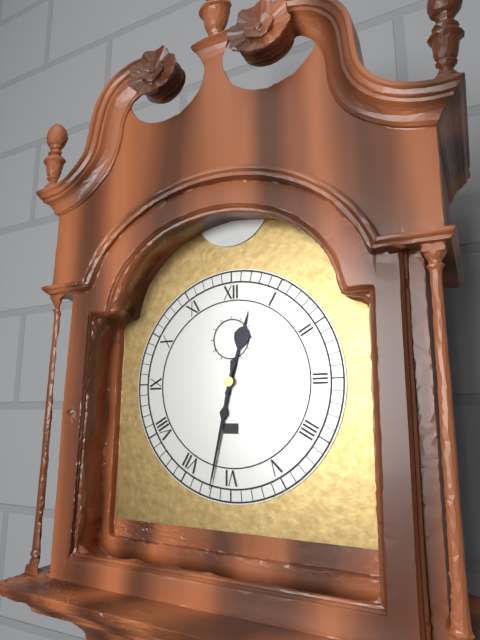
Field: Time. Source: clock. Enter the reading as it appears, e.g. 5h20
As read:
12h32
